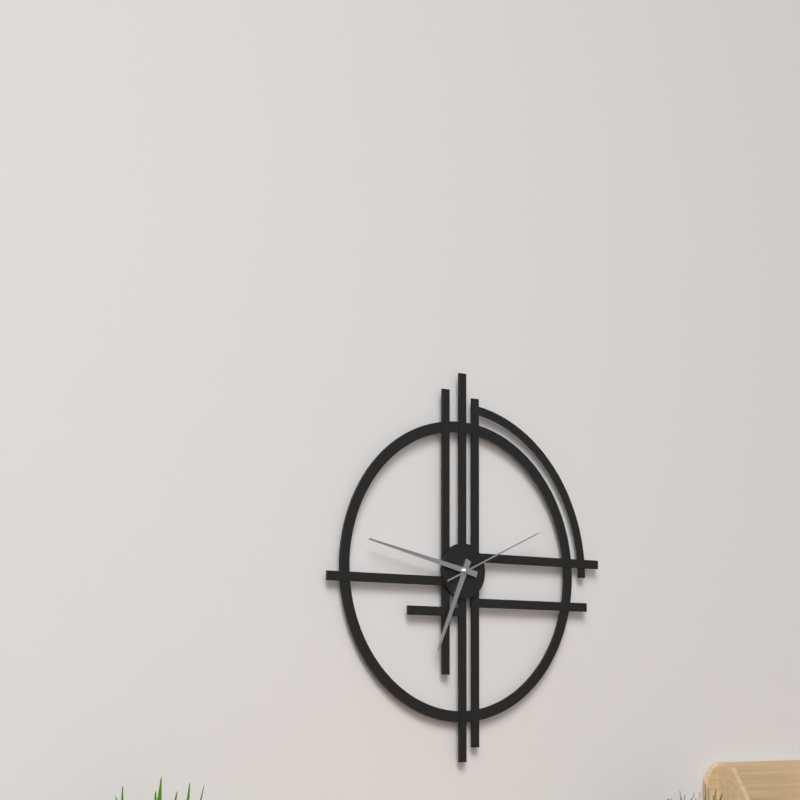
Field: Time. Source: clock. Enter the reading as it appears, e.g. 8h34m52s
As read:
6h47m11s
